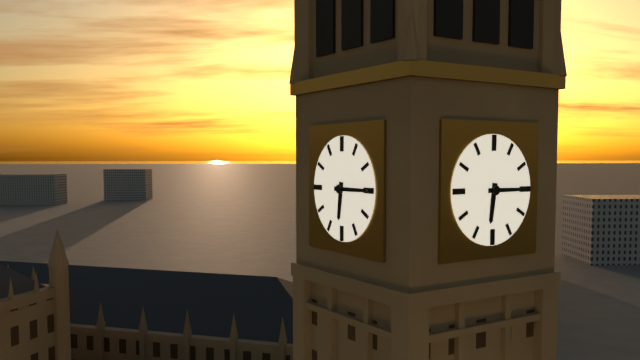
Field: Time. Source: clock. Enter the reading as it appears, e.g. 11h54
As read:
6h15
